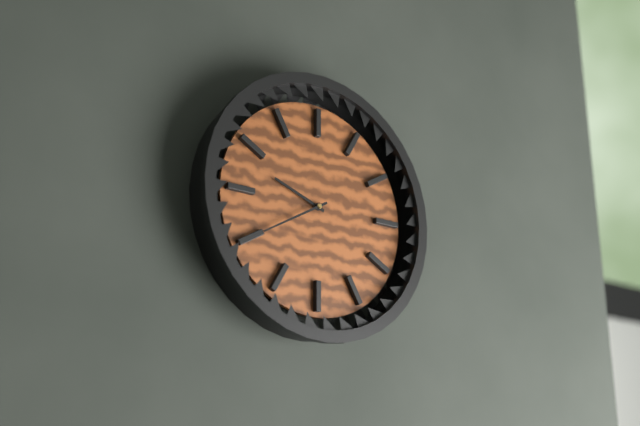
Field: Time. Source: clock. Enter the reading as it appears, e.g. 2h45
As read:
9h40
